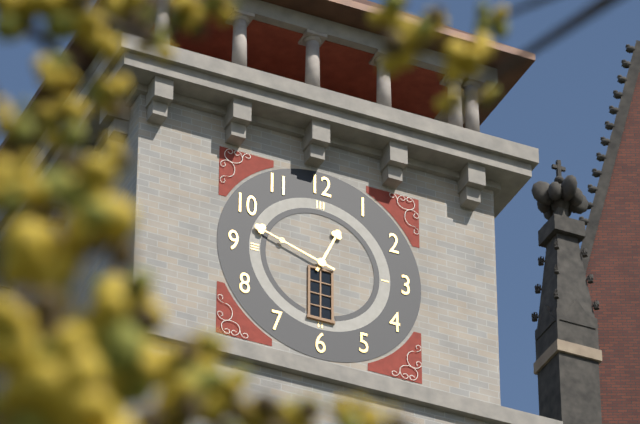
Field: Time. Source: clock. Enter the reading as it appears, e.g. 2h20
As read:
12h48
